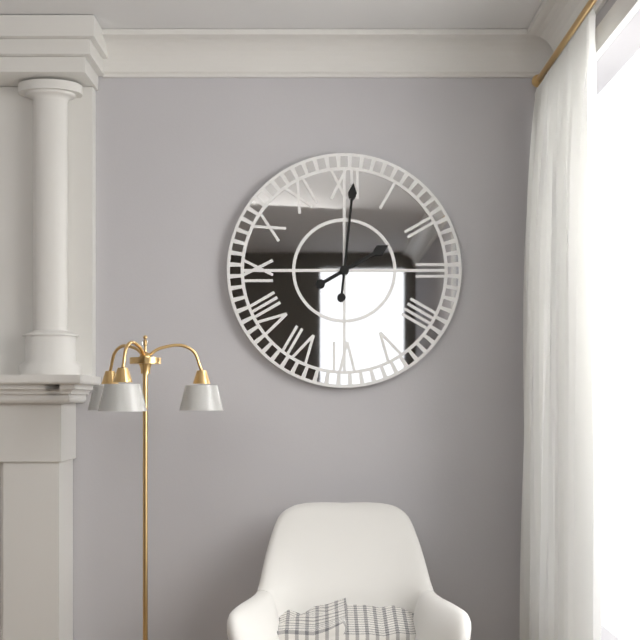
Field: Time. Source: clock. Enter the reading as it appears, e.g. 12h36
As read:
2h01
